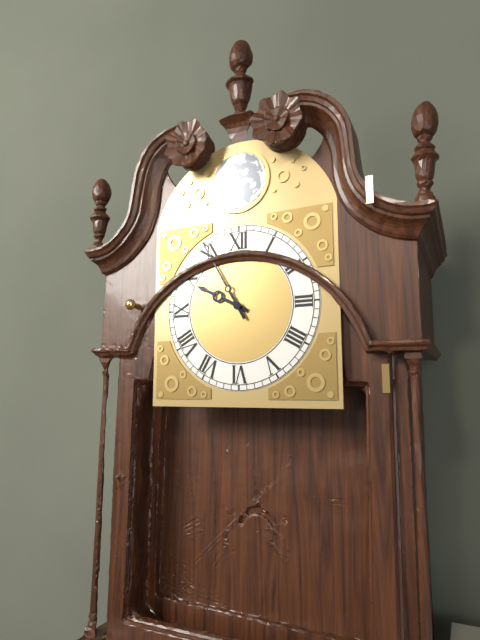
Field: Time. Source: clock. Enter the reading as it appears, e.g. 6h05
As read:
9h55
